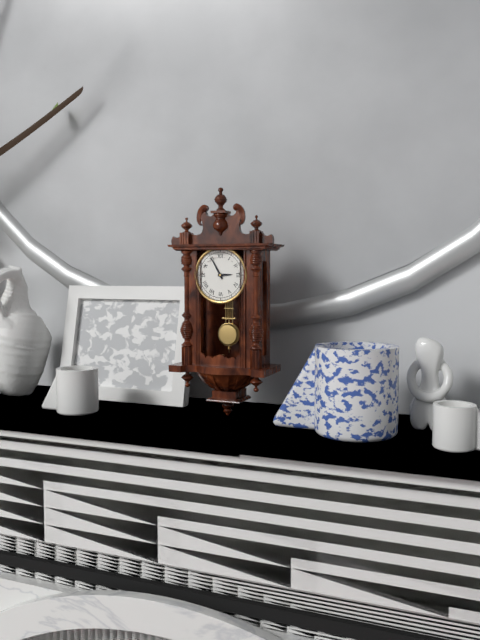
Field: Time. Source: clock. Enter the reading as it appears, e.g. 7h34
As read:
2h55
